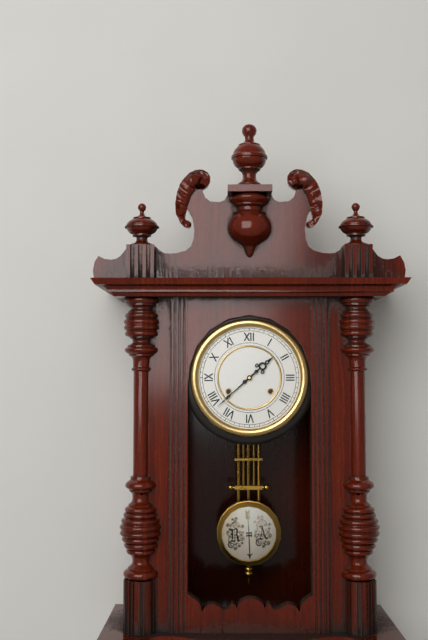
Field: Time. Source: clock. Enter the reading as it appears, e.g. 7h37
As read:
1h38
